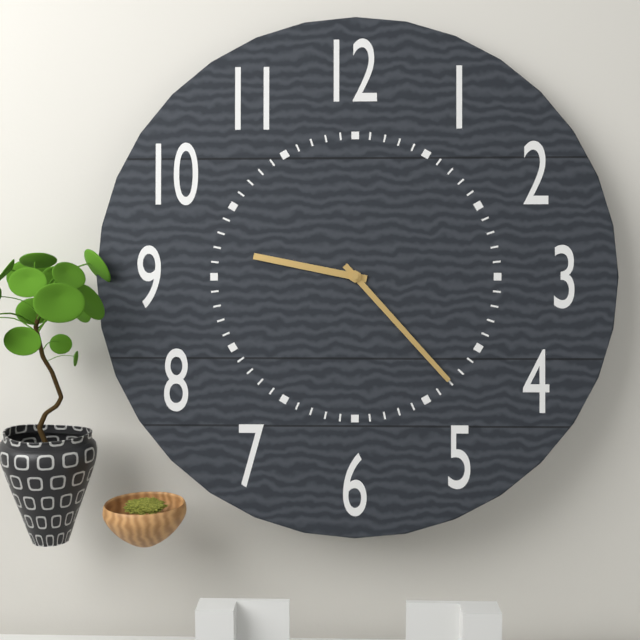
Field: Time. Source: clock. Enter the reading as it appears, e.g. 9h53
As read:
9h23
